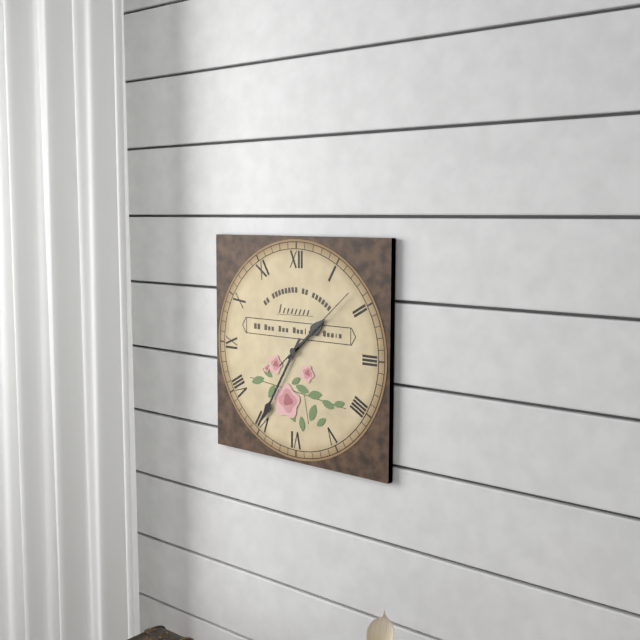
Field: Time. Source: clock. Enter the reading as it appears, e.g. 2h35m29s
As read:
1h35m08s
